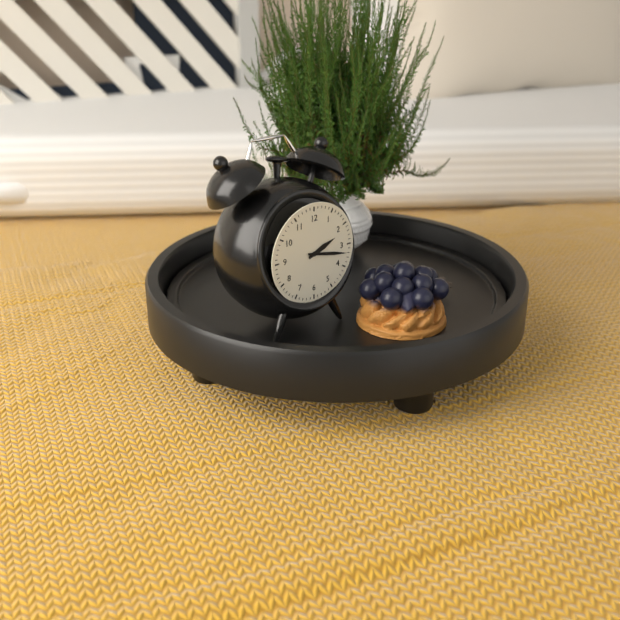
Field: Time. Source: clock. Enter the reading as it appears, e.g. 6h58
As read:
2h17
